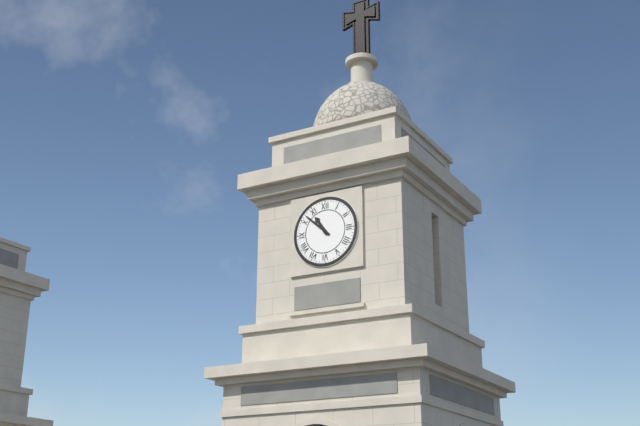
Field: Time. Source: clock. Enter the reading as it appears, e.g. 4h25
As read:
10h52
